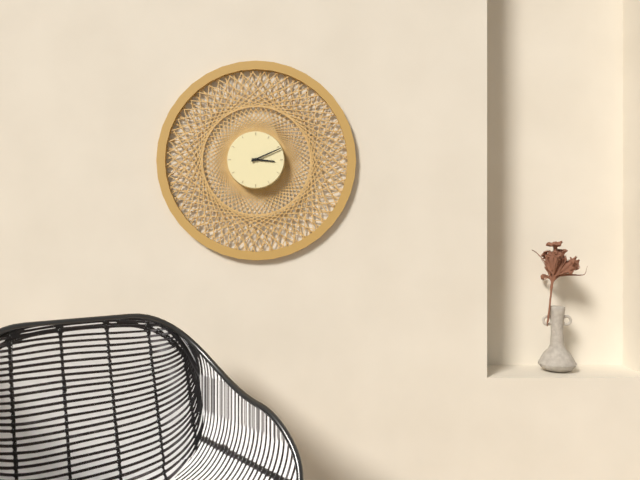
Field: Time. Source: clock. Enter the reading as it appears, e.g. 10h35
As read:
3h11
